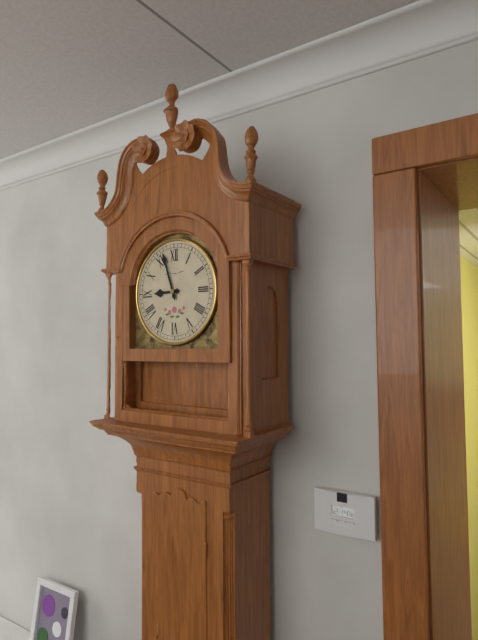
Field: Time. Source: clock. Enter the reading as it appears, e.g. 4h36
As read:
8h57
